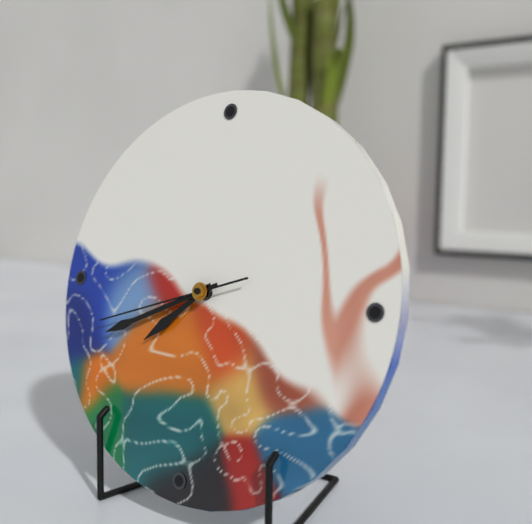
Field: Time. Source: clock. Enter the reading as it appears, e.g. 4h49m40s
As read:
7h41m42s
